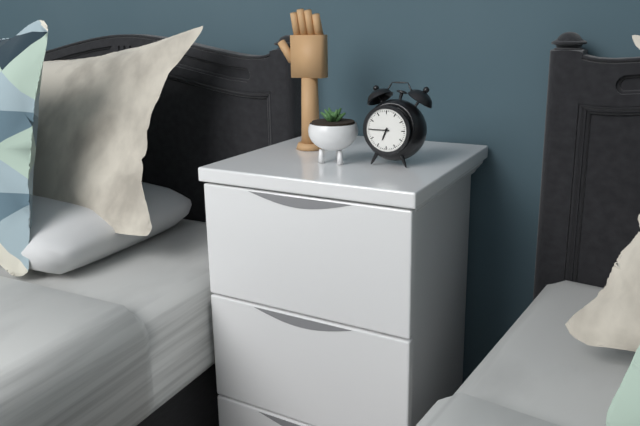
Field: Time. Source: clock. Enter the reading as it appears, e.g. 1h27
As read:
6h45
